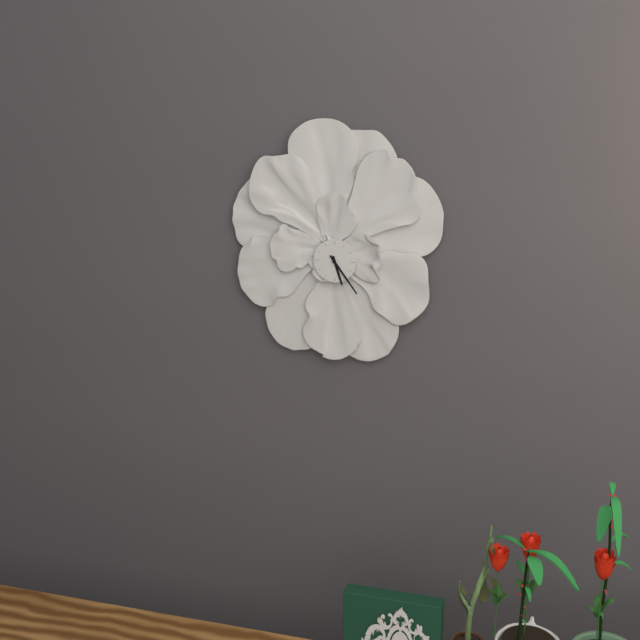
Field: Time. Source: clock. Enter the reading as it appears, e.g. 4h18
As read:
5h24
